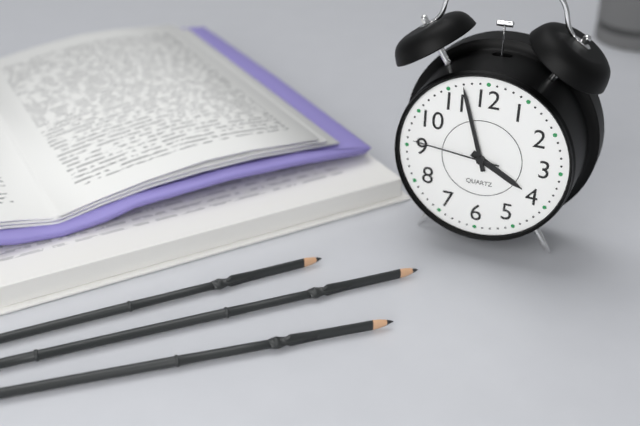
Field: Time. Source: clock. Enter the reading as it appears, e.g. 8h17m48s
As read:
3h57m46s
